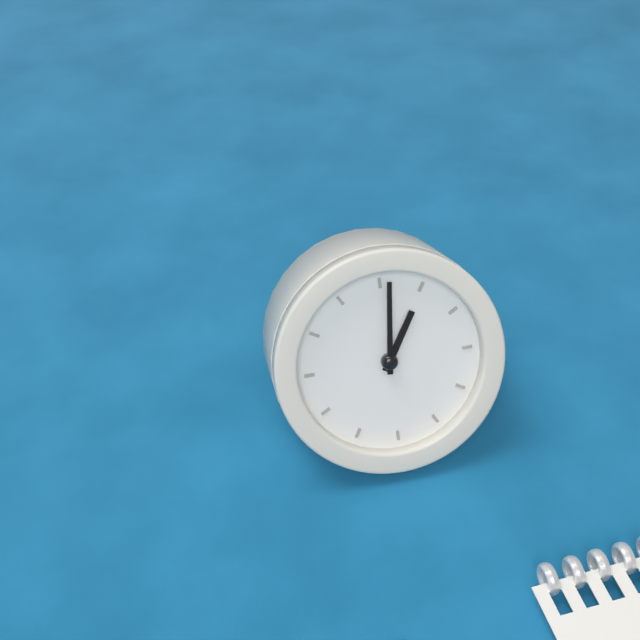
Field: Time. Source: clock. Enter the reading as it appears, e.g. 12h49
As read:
1h01
